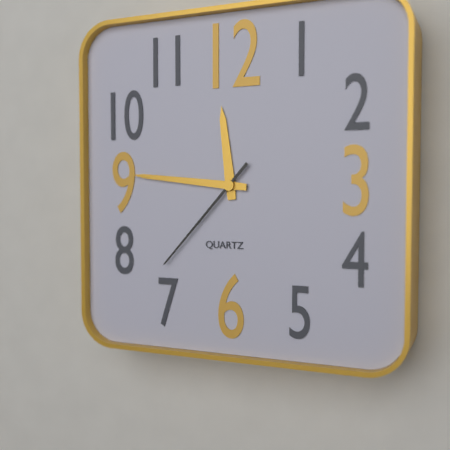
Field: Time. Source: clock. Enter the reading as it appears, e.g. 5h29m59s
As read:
11h46m37s
